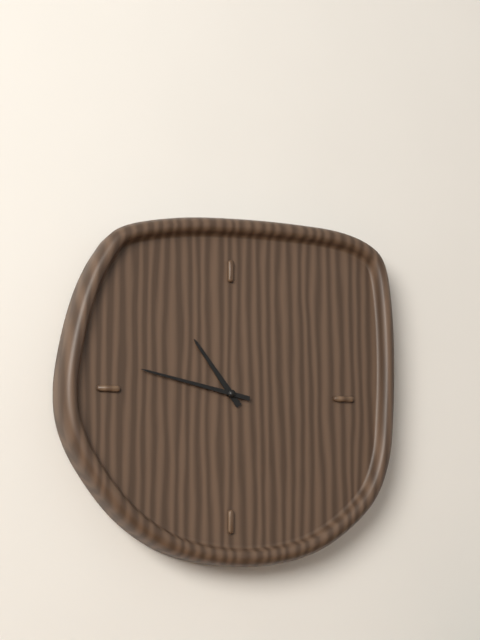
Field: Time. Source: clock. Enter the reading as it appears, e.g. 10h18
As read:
10h47
